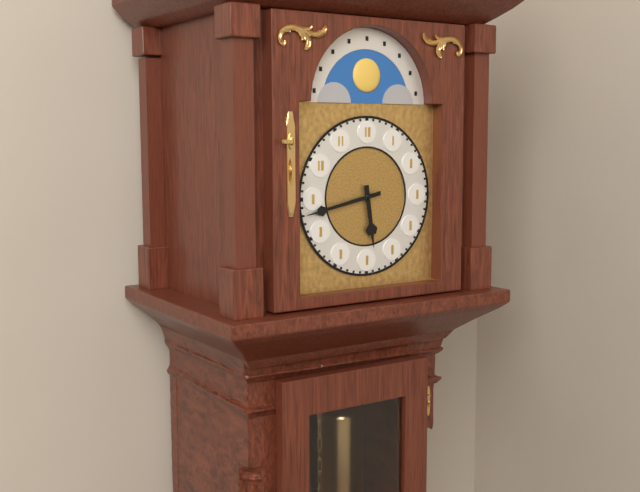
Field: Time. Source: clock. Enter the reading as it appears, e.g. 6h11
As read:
5h43
